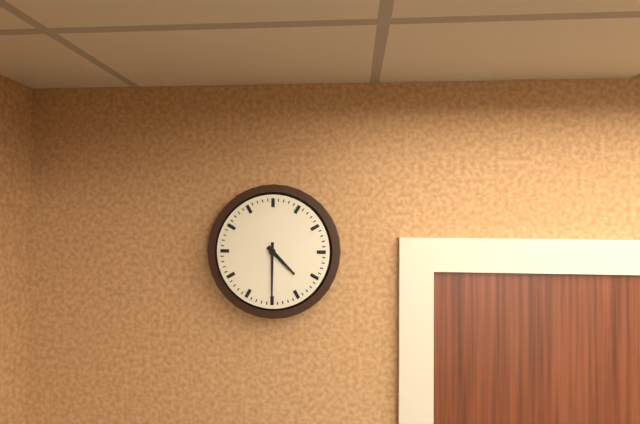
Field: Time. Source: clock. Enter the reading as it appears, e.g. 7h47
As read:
4h30
